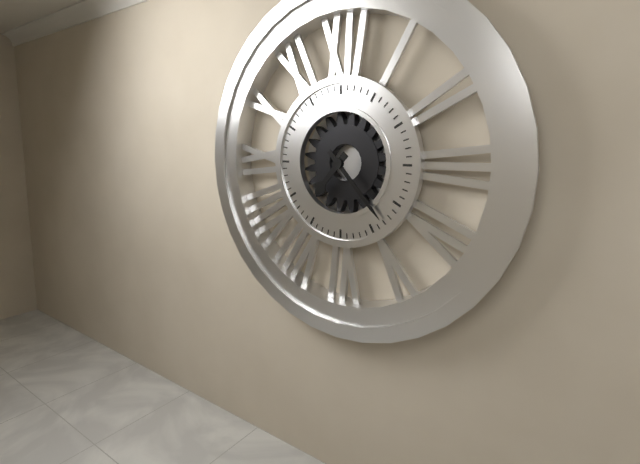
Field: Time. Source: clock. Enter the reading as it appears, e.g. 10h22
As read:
7h23
